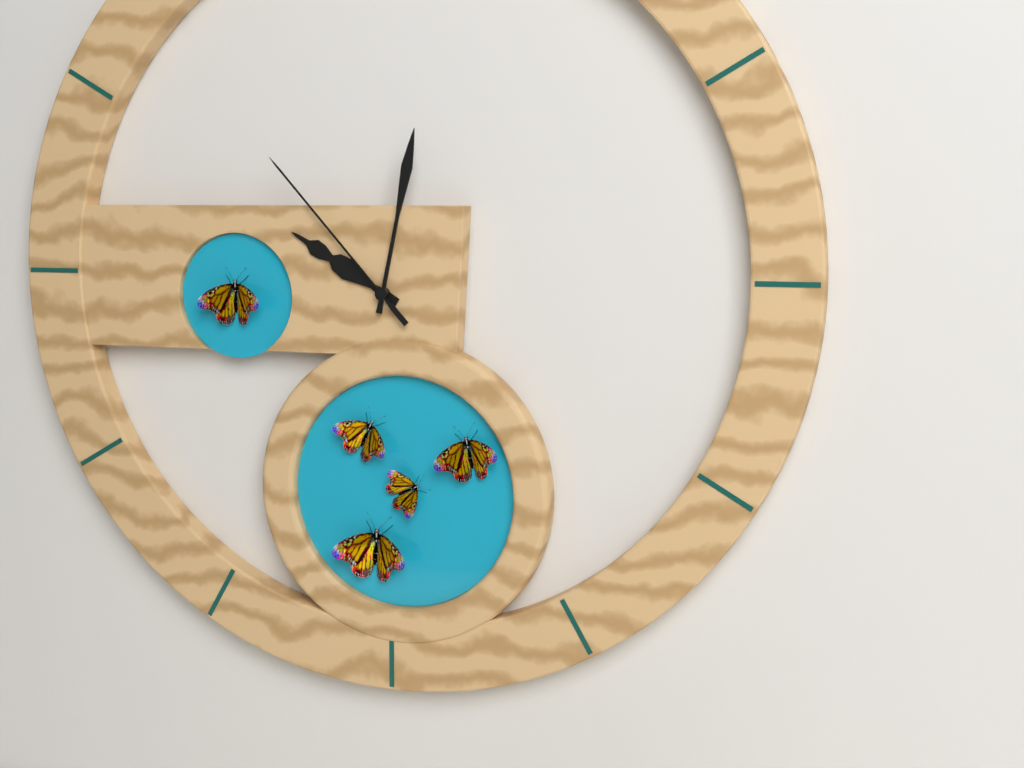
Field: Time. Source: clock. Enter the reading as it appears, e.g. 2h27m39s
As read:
10h02m53s
